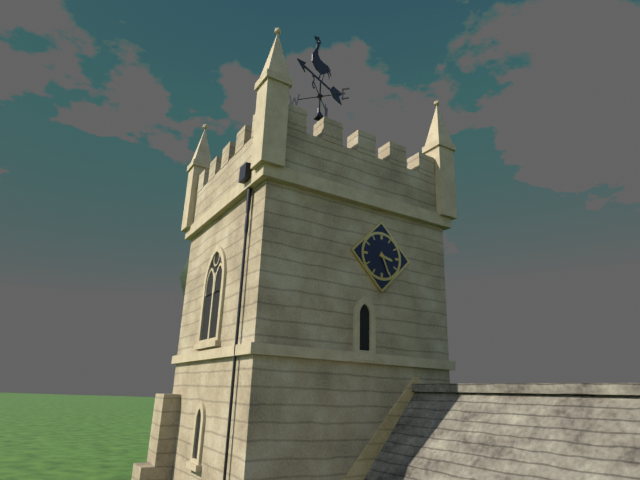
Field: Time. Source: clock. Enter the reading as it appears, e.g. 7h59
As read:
3h26
